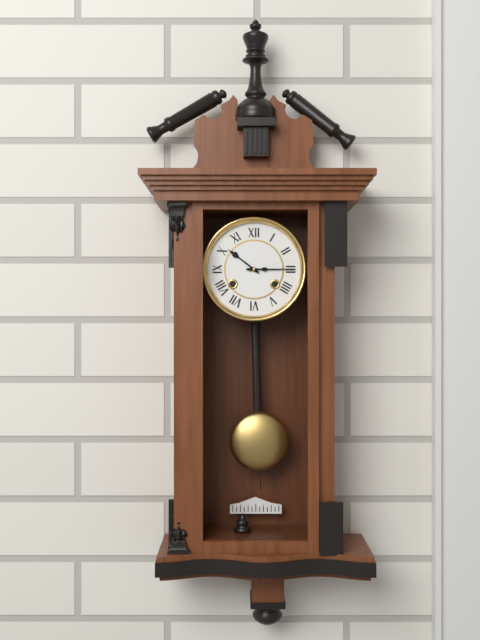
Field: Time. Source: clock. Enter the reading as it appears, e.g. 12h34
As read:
10h15
